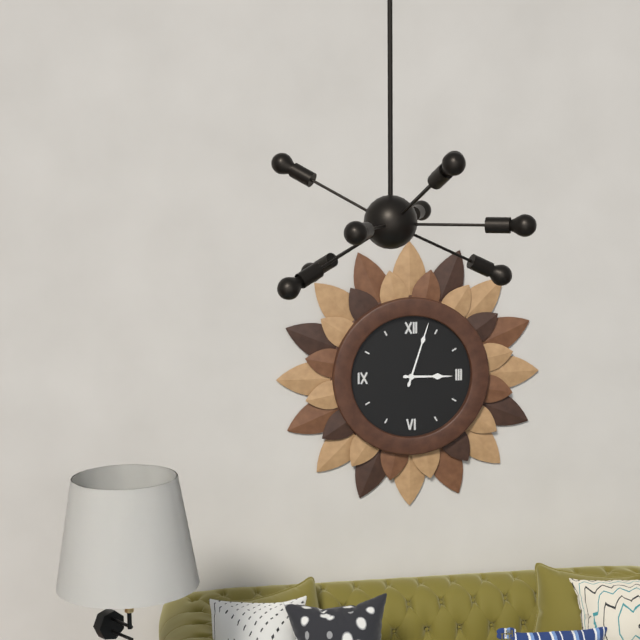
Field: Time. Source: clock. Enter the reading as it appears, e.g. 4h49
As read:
3h03
